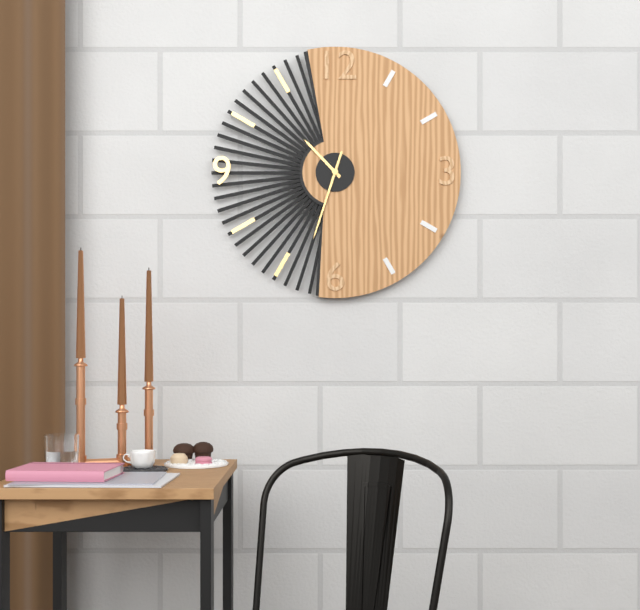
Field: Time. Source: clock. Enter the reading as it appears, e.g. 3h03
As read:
10h33
